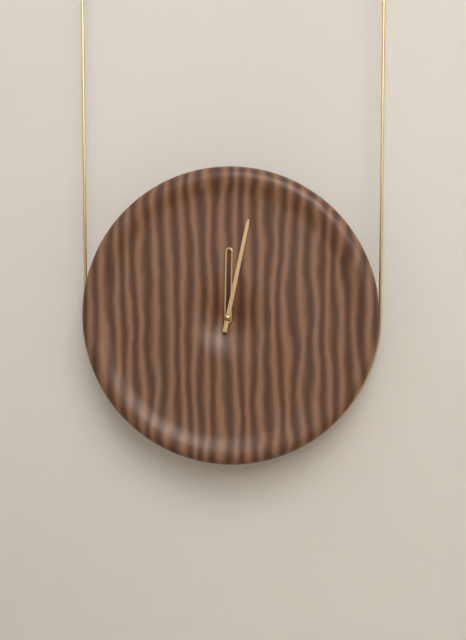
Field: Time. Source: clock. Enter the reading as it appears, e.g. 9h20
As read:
12h02
